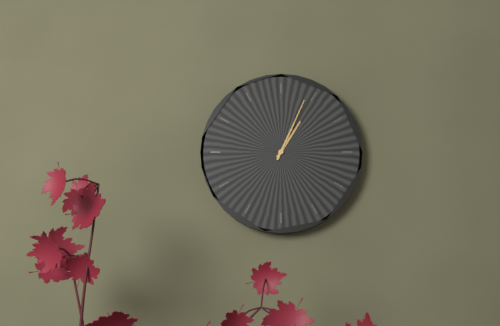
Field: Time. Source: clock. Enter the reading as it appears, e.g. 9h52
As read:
1h04
